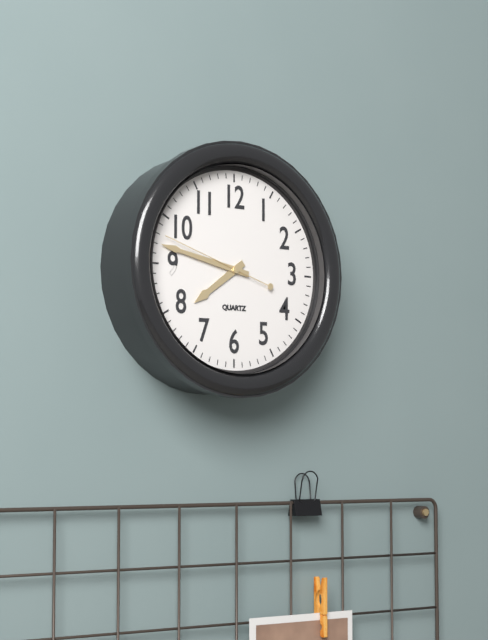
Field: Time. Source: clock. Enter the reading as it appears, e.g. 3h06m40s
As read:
7h47m48s
